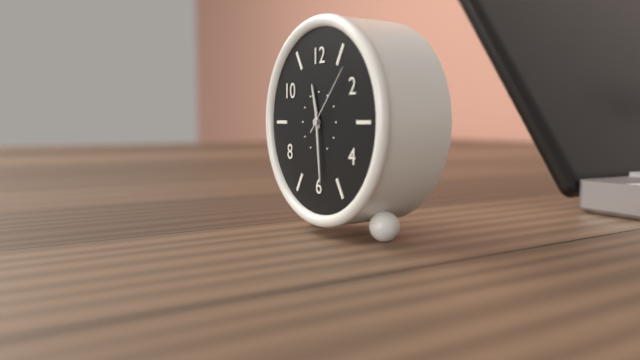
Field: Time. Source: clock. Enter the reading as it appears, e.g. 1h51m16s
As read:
11h29m07s
